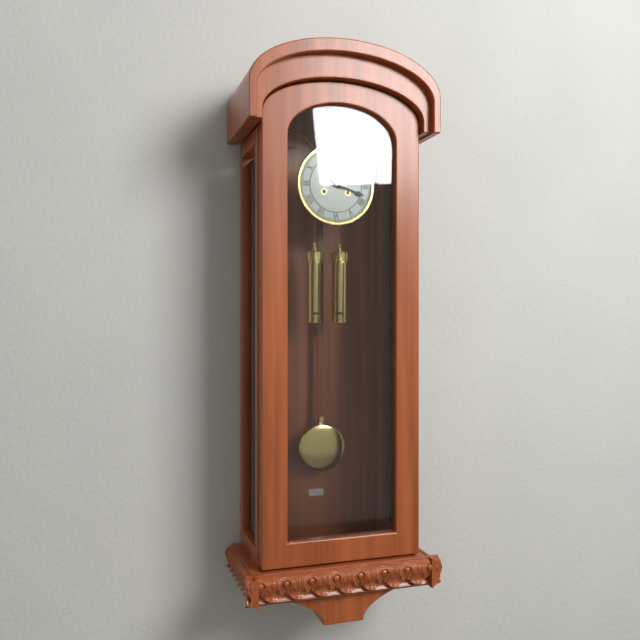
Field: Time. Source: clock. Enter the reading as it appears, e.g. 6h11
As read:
10h18
